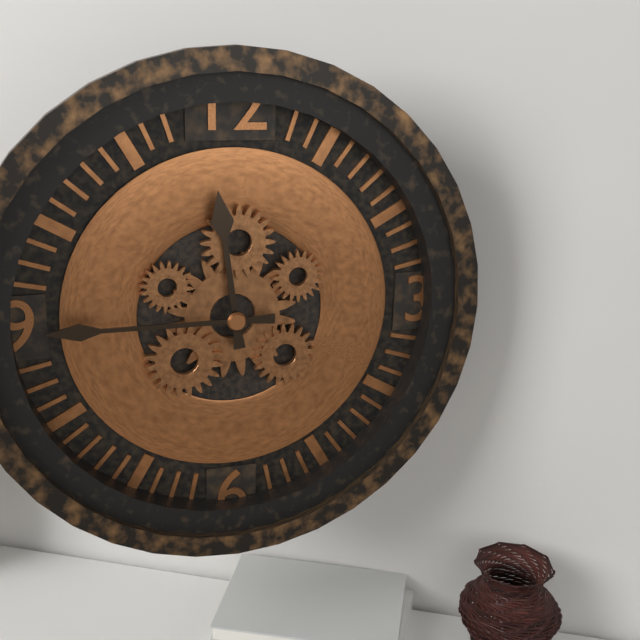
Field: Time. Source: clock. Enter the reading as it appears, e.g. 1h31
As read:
11h45
